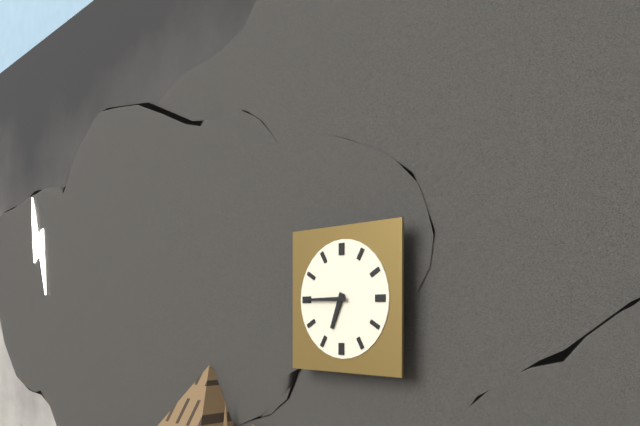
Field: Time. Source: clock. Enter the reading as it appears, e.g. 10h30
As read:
6h45
